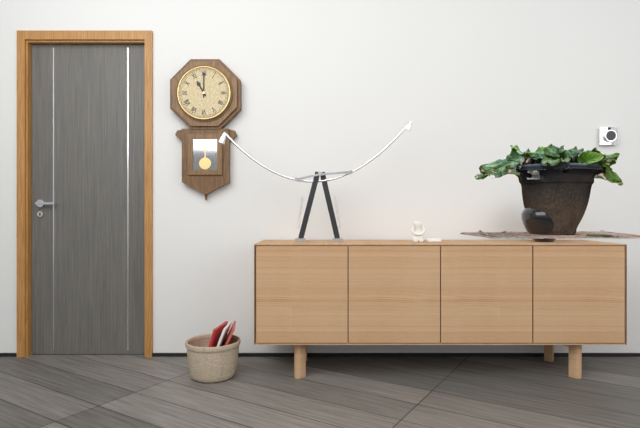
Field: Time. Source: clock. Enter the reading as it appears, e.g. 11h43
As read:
11h00
